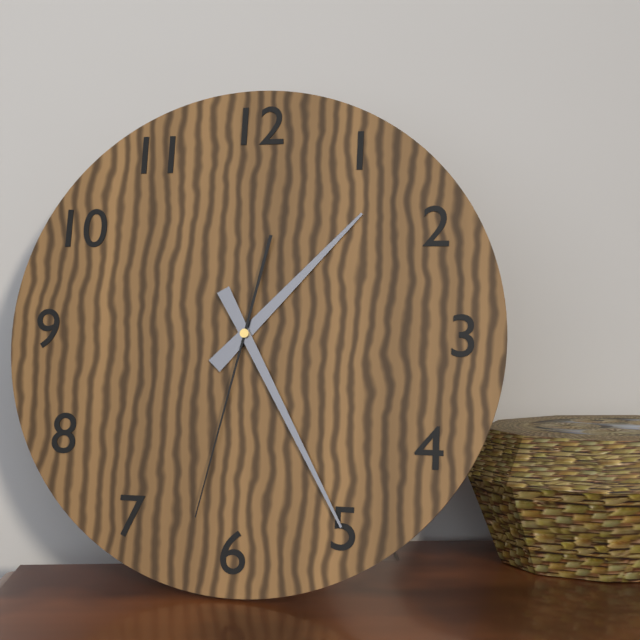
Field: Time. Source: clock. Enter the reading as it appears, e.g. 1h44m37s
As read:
1h25m32s
